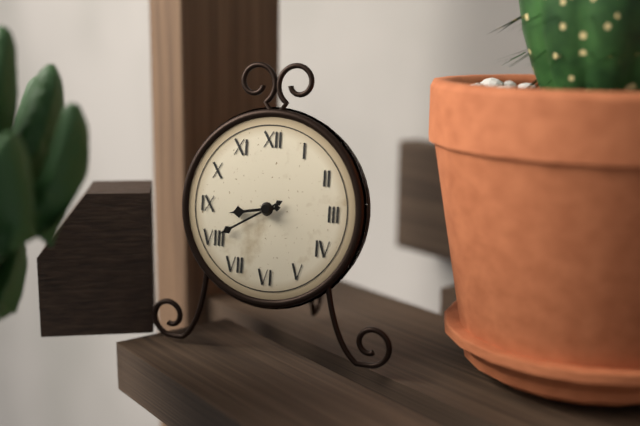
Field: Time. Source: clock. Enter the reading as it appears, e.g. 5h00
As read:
8h40
